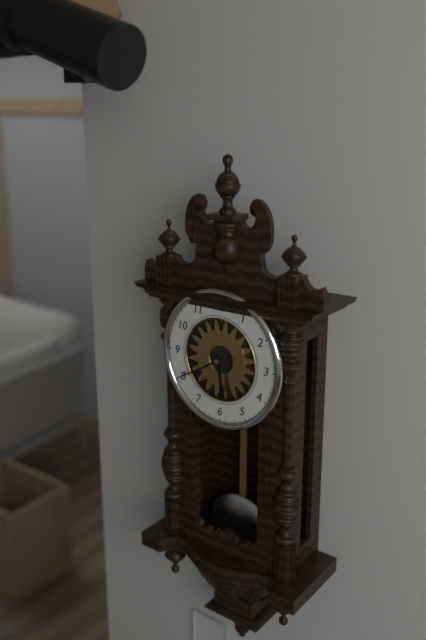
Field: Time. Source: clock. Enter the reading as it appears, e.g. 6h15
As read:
5h40
